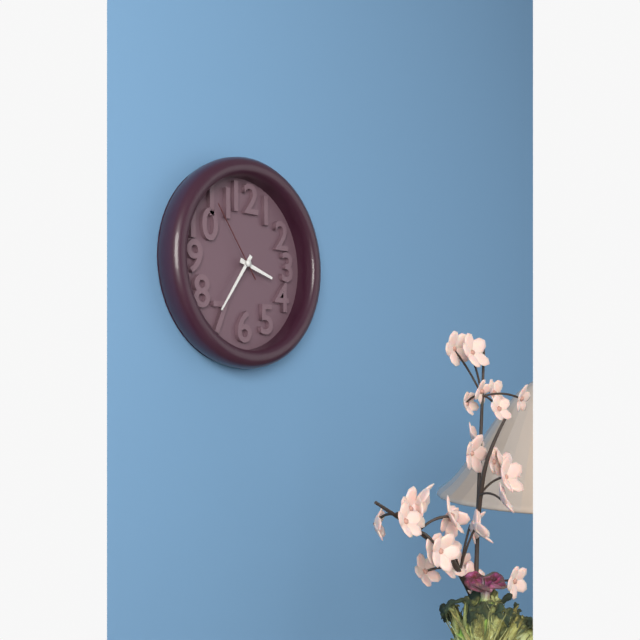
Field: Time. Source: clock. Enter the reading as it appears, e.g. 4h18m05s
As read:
3h36m54s
